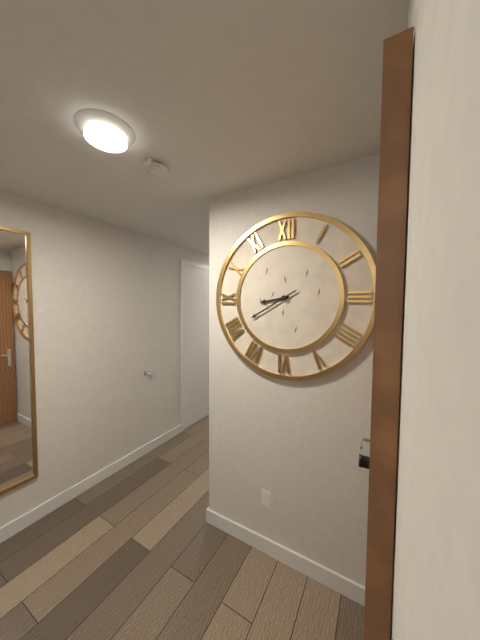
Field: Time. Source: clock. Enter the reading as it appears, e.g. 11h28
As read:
8h40
